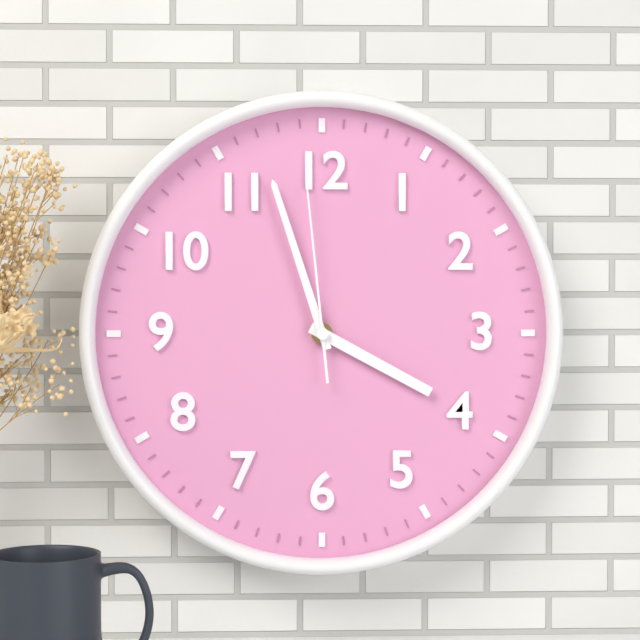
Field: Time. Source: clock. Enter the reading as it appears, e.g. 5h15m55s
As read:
3h57m59s
